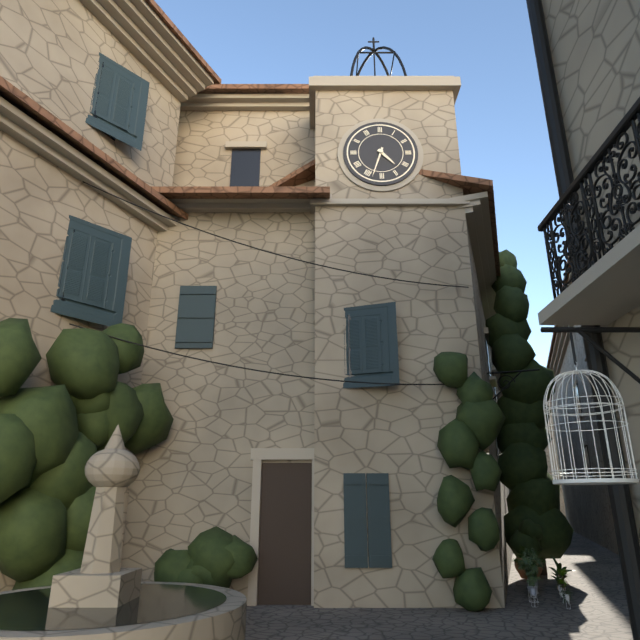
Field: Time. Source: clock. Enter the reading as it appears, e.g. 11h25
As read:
4h33
